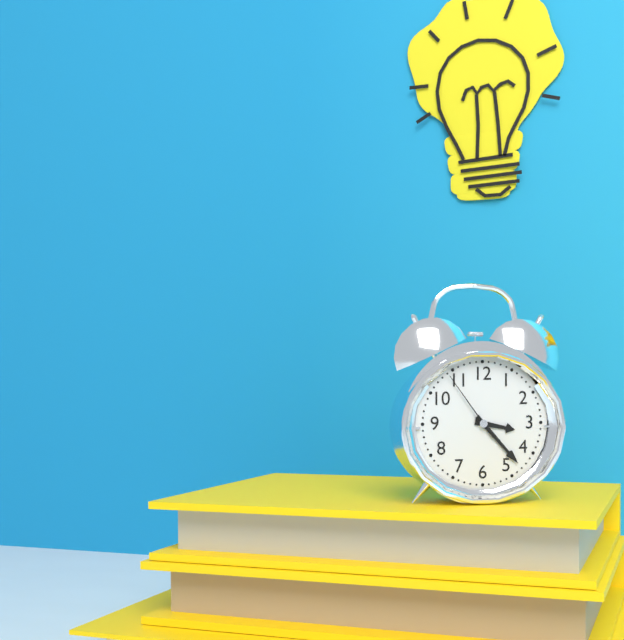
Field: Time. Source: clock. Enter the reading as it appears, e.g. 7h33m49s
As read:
3h23m54s
